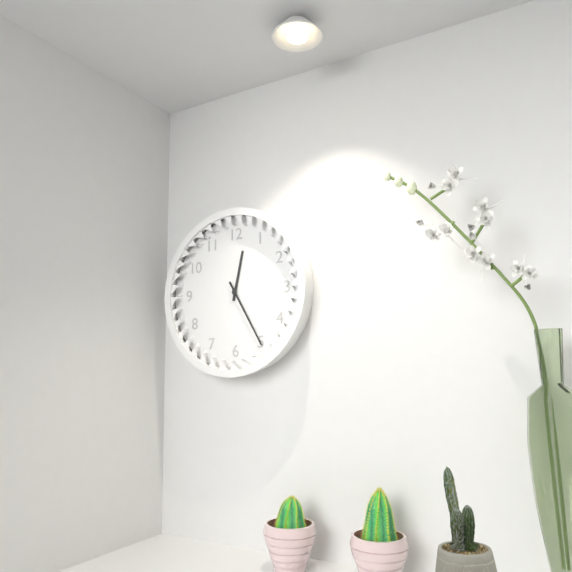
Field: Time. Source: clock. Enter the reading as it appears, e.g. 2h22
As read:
12h25
